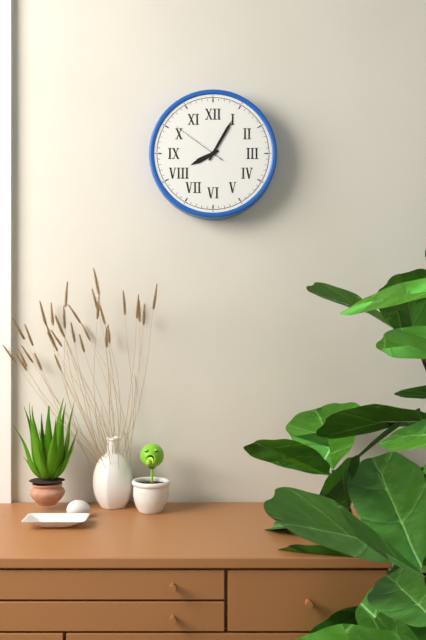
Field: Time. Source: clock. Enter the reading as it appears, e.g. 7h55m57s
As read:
8h05m51s
